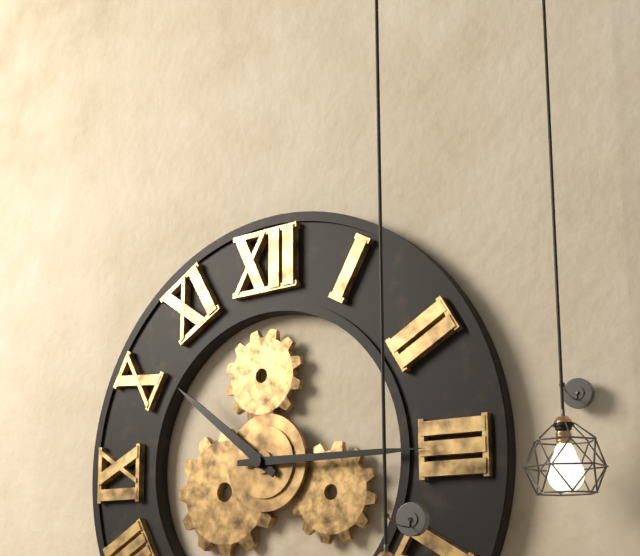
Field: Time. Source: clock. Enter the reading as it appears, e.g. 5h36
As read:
10h15
